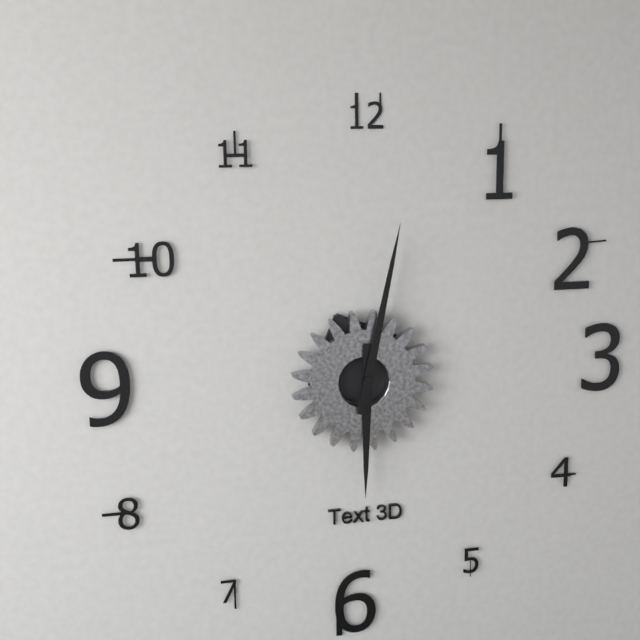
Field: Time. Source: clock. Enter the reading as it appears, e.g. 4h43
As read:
6h02
